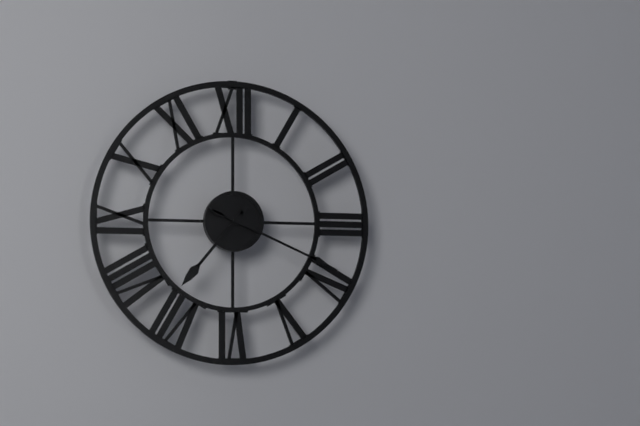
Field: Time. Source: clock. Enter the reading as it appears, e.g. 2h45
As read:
7h19
